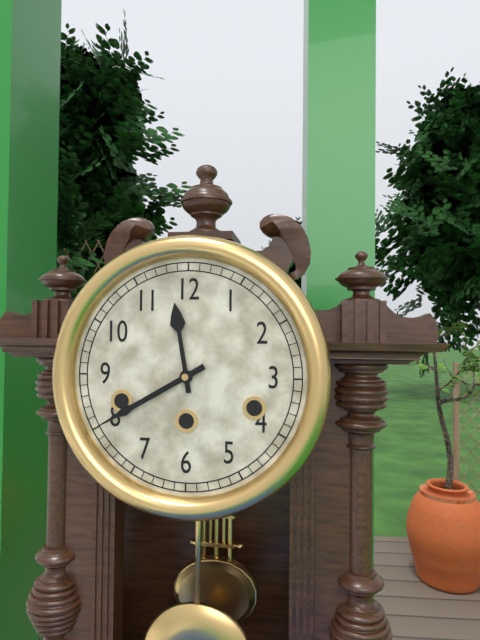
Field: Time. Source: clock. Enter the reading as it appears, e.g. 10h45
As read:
11h40
